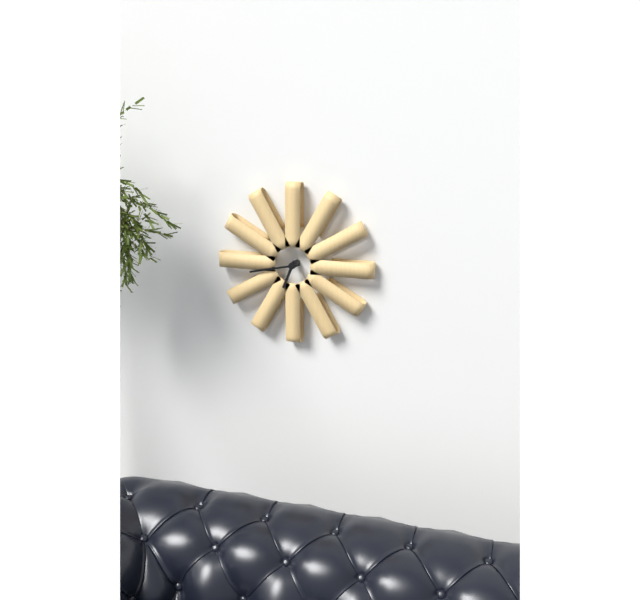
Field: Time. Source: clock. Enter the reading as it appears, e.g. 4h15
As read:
6h43
